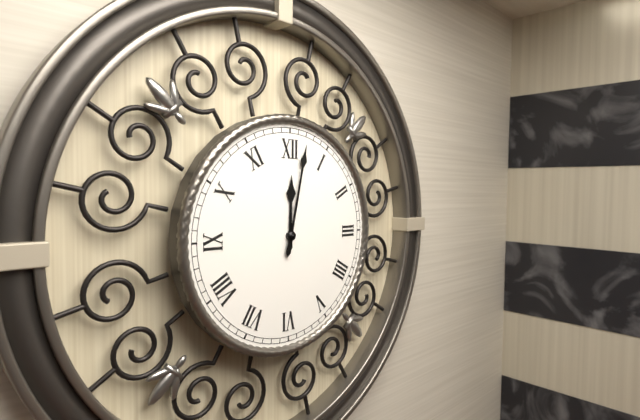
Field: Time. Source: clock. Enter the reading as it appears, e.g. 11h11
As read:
12h02
